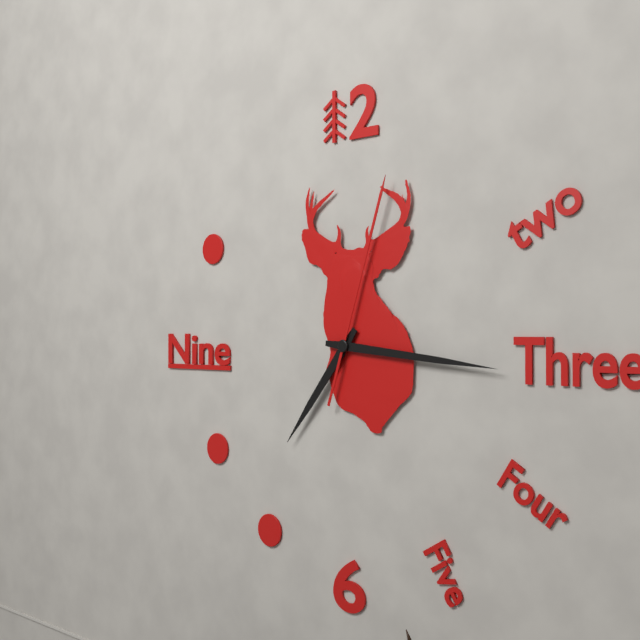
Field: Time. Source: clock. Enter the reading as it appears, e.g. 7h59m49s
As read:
7h16m03s
